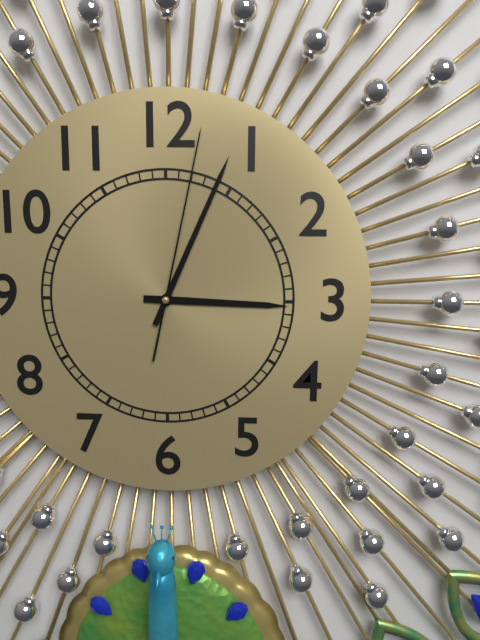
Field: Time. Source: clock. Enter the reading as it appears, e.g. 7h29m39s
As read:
3h04m02s
